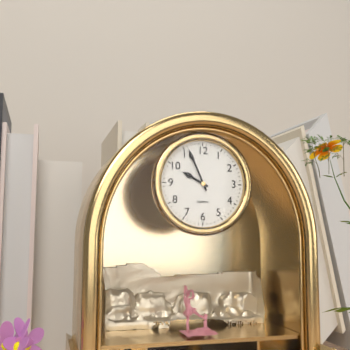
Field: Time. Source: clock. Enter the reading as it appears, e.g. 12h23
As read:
9h56
